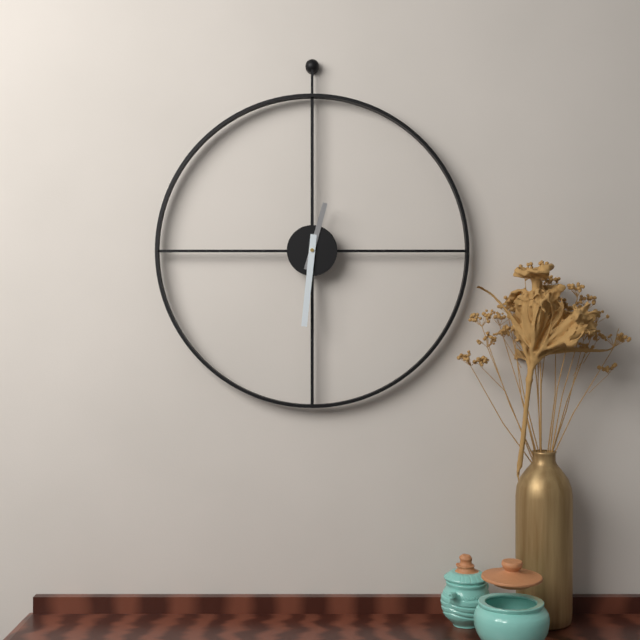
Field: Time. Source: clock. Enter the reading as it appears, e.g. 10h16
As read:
12h31
